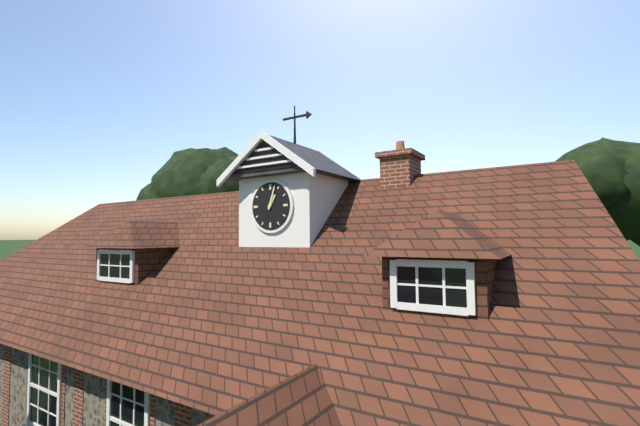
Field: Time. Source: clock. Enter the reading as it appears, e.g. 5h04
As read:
1h03
